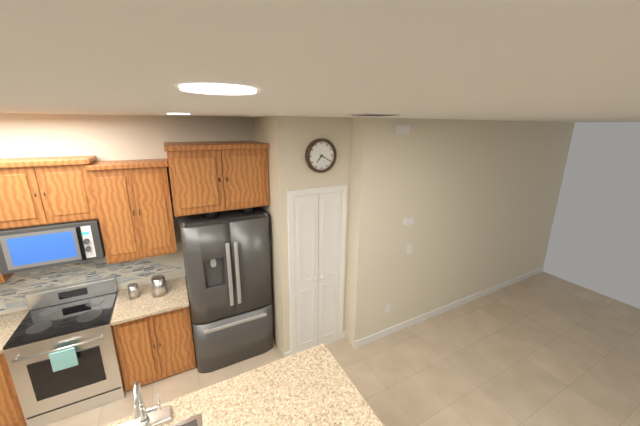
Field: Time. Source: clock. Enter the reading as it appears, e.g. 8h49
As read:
7h20
